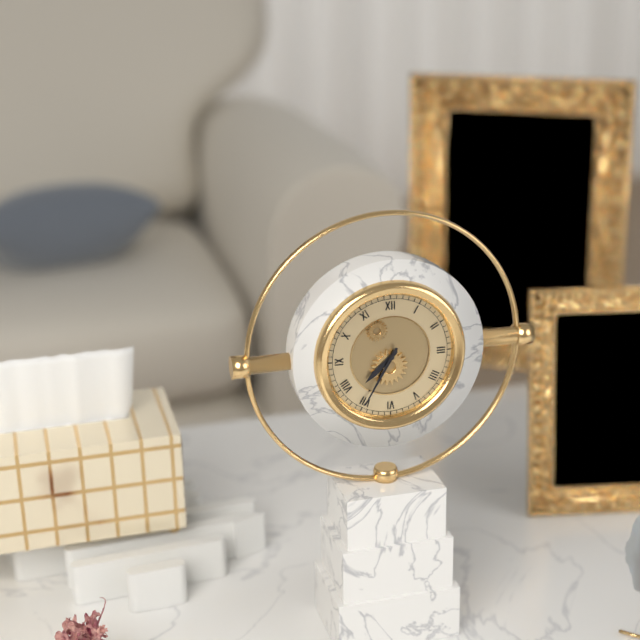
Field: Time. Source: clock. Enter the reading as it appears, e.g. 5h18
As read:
7h35
